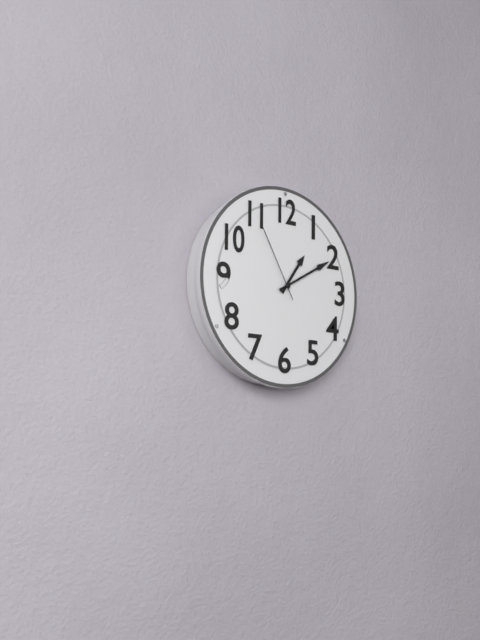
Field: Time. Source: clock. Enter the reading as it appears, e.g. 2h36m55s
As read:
1h10m55s
